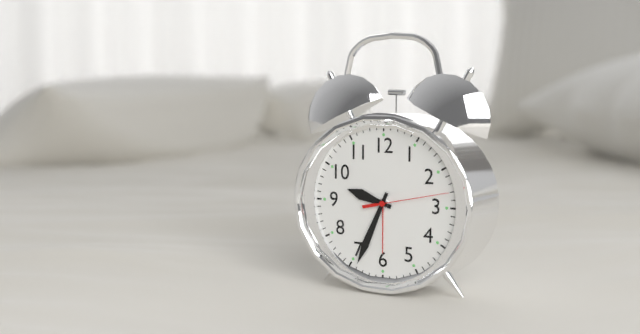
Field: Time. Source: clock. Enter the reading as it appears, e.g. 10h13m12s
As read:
9h34m13s
